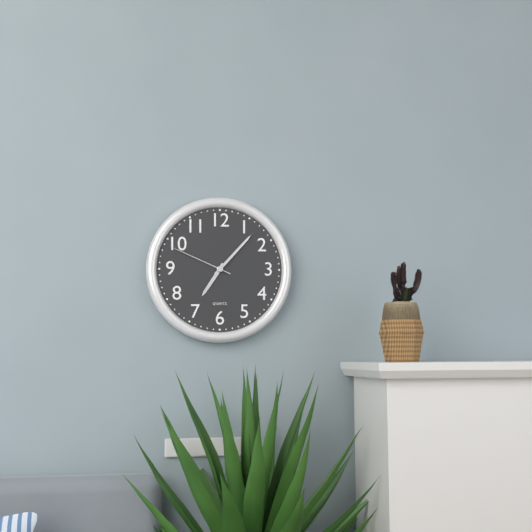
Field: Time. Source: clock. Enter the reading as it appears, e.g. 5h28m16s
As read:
7h07m49s
